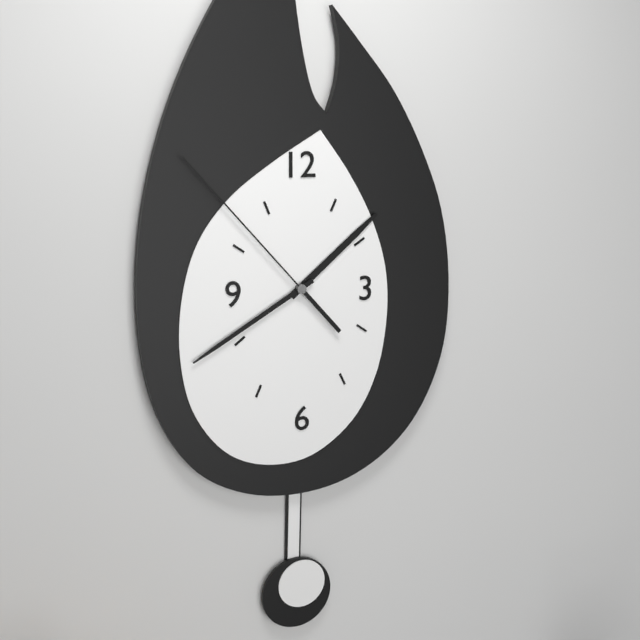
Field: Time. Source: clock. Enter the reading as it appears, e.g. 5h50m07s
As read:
1h40m53s
